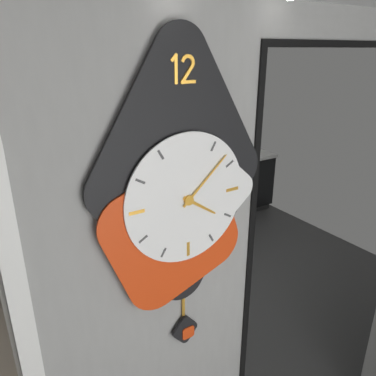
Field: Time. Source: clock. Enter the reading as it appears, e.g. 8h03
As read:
4h08
